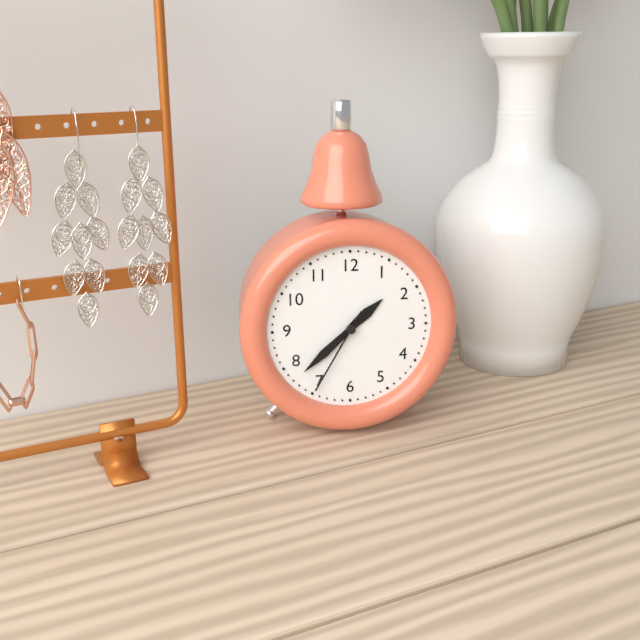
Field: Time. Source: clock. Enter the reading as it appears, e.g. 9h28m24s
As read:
1h38m35s
